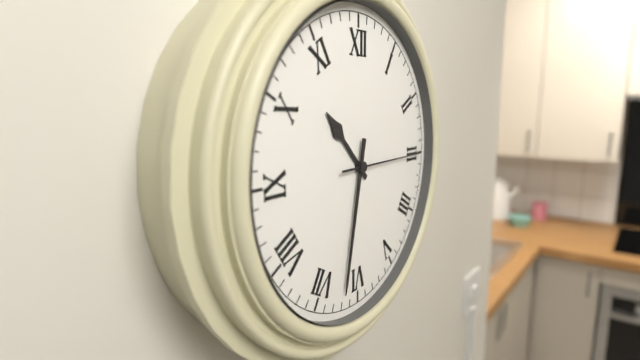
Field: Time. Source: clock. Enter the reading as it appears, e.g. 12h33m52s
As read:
10h32m15s
